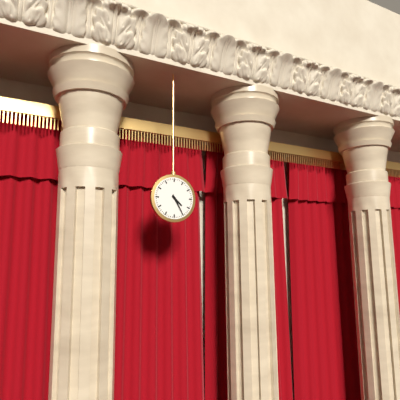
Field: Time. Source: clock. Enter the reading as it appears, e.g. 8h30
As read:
4h25
